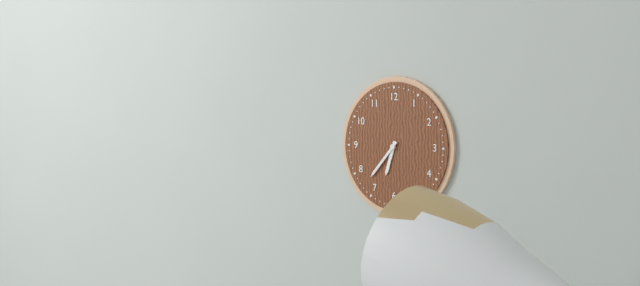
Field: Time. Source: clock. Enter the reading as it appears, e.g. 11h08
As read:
6h37
